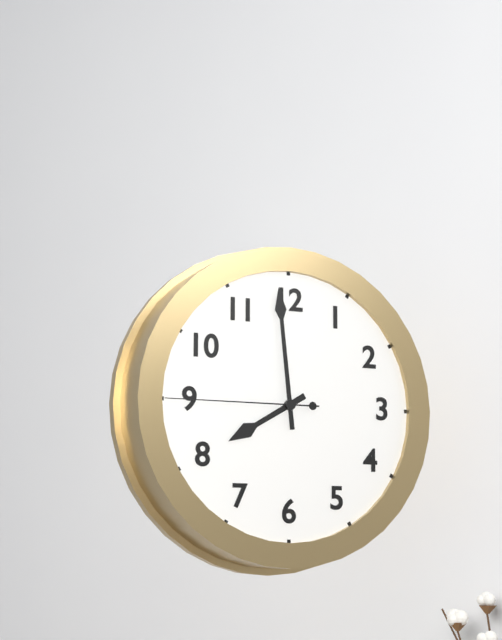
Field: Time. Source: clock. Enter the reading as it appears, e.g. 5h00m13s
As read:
7h59m45s
